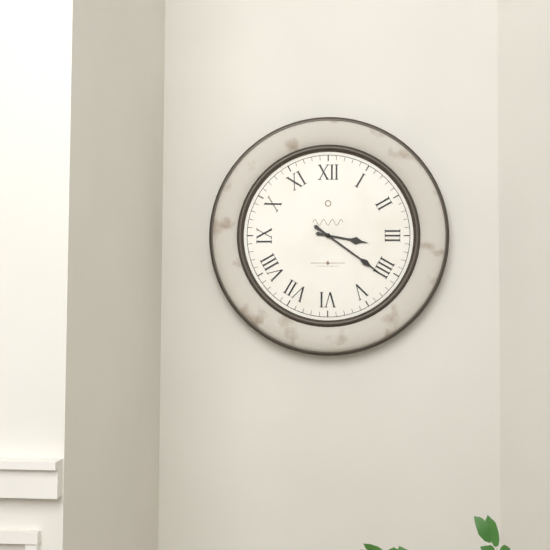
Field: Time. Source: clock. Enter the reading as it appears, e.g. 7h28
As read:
3h21
